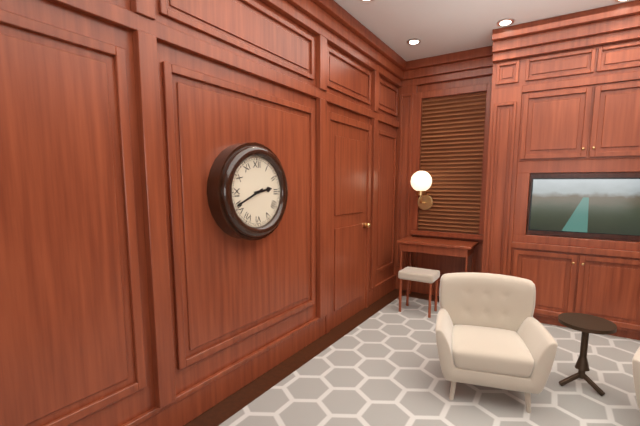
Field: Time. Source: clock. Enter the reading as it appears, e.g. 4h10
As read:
2h41
